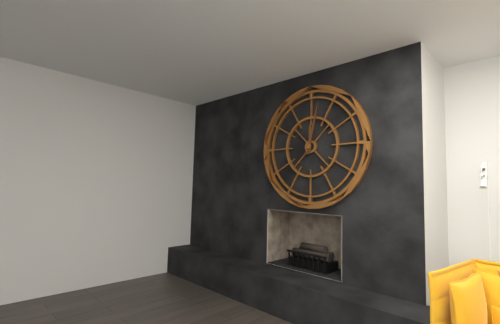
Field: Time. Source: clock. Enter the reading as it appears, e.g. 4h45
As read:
12h02
